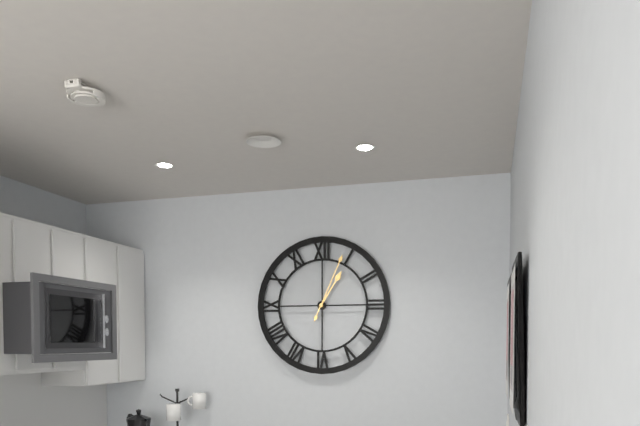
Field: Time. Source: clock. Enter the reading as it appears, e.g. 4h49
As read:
1h04
